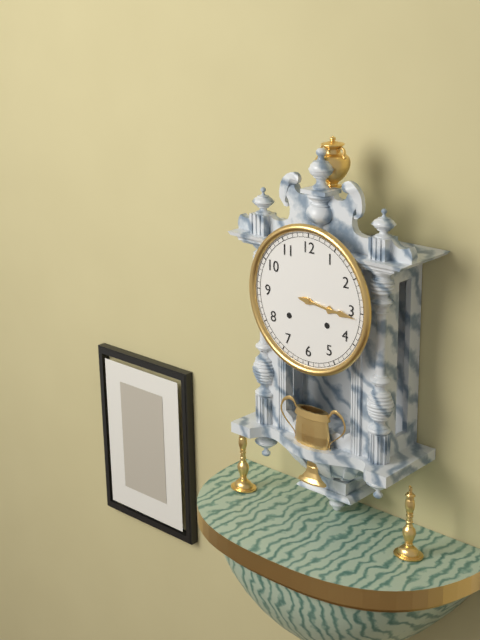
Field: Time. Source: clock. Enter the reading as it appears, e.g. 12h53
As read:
3h16
